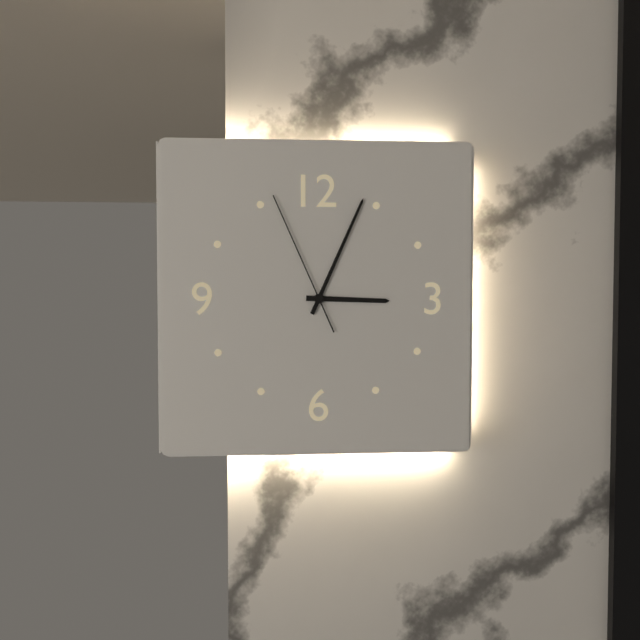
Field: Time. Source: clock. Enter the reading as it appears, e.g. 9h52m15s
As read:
3h04m56s
